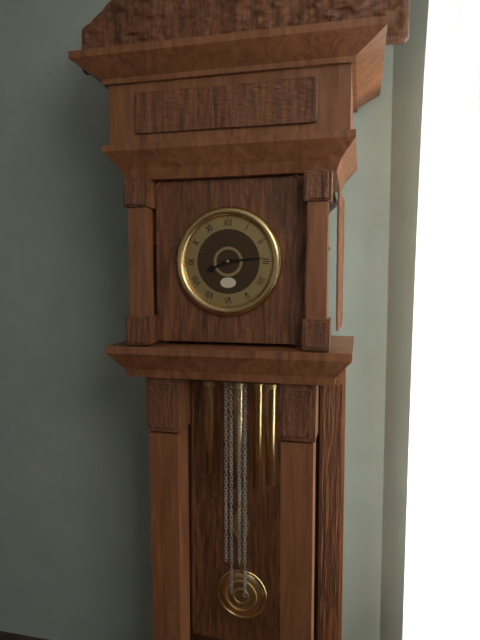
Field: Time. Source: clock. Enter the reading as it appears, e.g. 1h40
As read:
8h14
